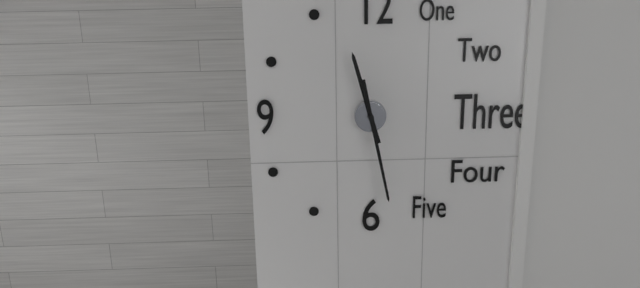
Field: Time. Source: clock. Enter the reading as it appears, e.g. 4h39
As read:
11h28
